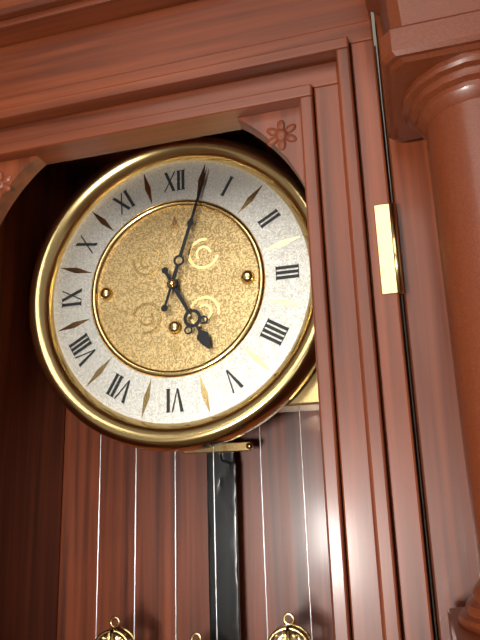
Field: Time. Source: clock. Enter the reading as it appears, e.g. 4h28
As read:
5h03
